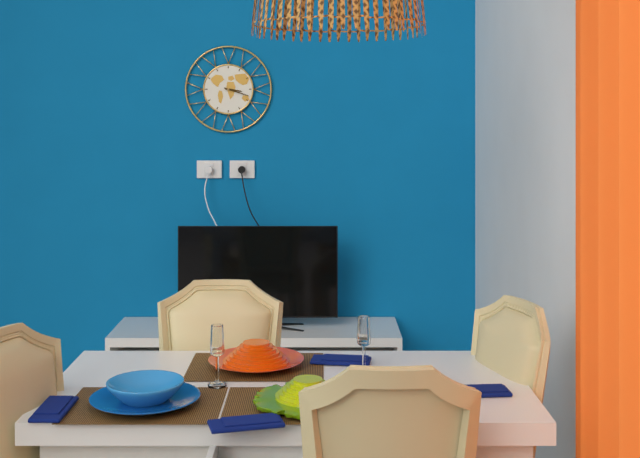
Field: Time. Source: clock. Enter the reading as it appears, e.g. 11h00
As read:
3h18
